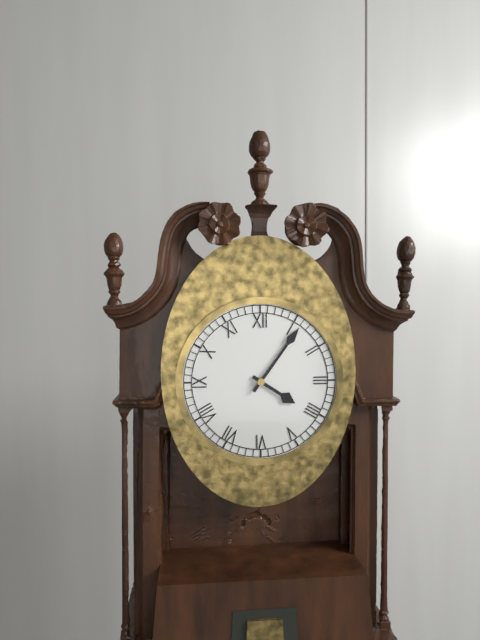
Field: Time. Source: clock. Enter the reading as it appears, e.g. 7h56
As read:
4h06
